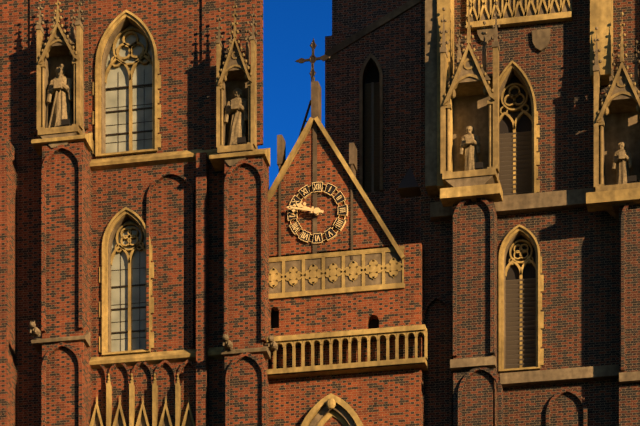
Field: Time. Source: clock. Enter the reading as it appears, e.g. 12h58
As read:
9h47
